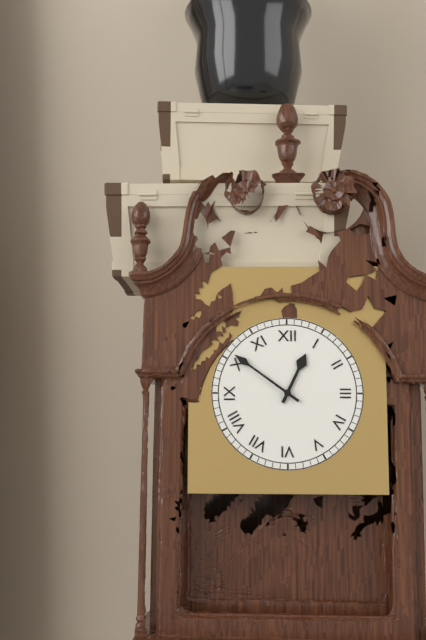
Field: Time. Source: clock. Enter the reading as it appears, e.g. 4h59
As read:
12h51
